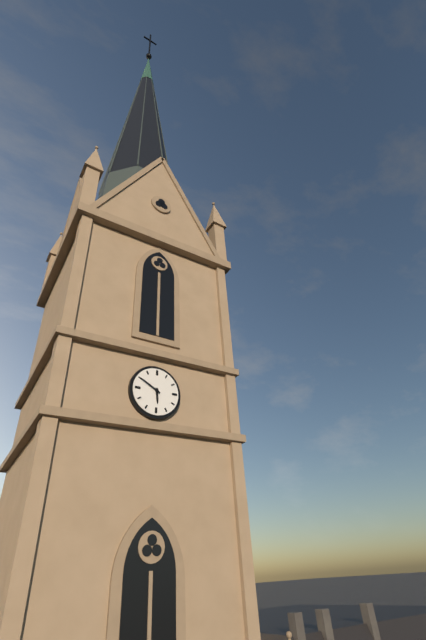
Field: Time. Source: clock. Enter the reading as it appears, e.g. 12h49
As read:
5h50
